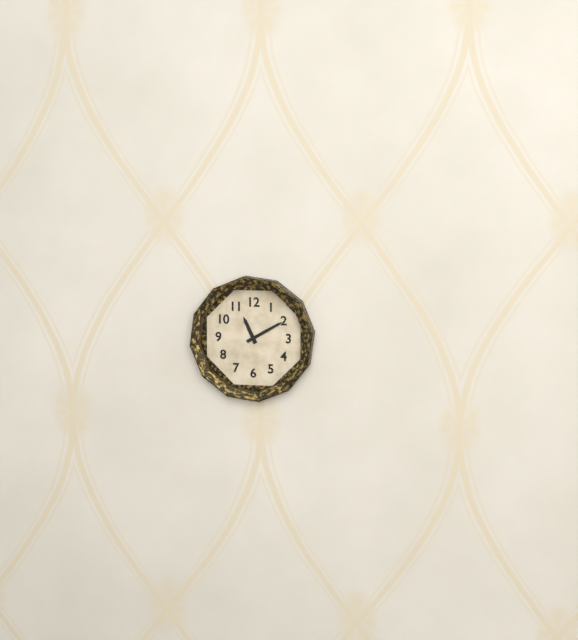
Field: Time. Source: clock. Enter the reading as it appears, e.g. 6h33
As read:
11h10
